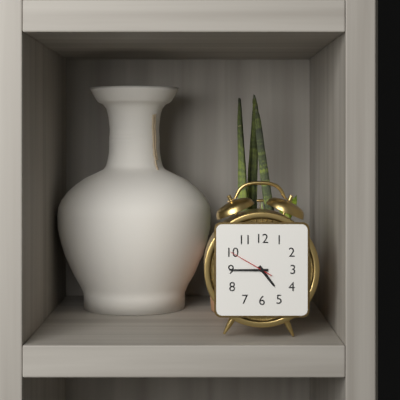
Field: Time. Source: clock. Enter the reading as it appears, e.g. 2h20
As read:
4h45
